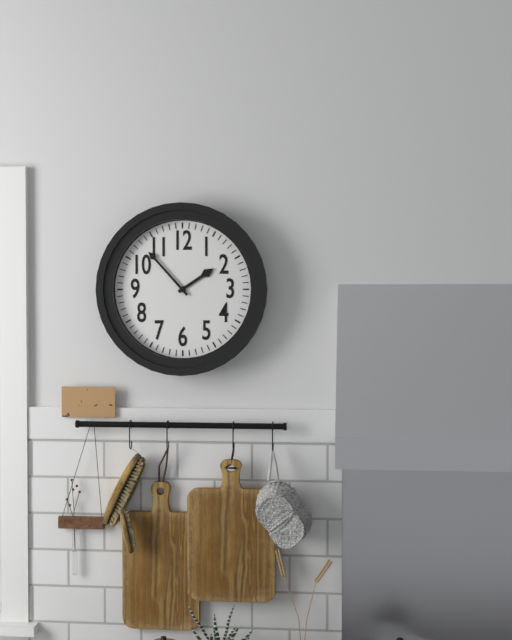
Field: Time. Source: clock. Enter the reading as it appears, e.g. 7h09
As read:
1h53
